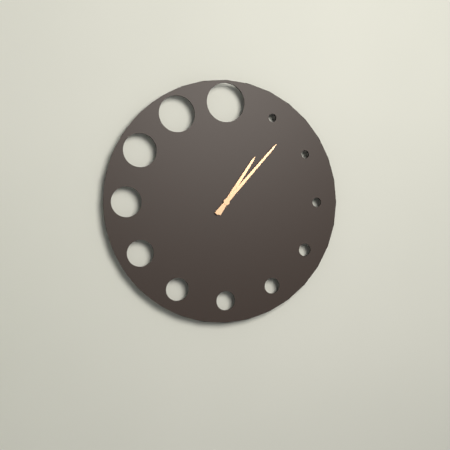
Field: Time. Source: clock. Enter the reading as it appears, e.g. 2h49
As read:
1h07
